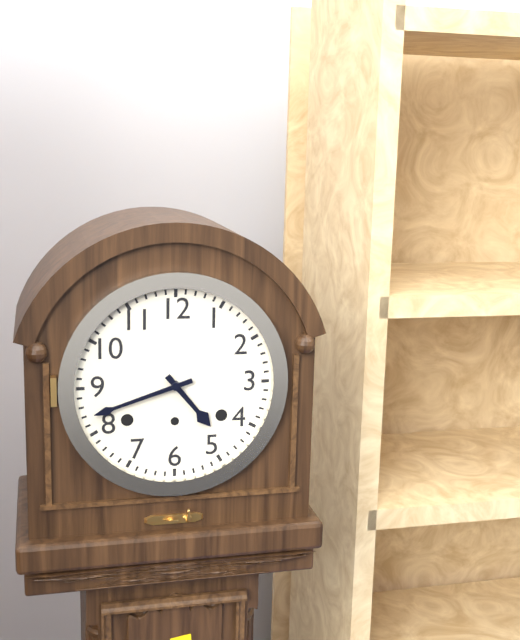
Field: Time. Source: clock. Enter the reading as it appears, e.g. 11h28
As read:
4h42
